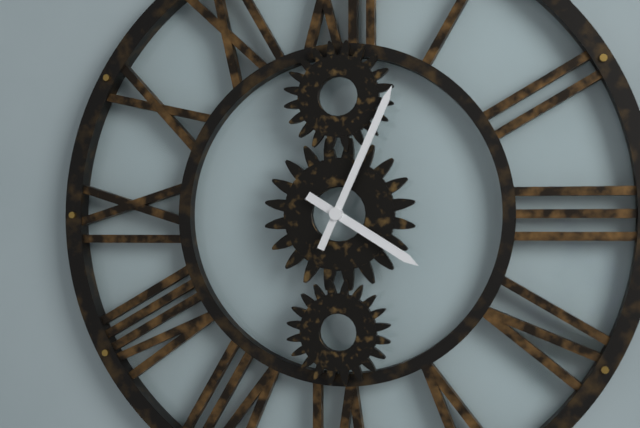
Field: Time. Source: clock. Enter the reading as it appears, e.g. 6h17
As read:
4h04
